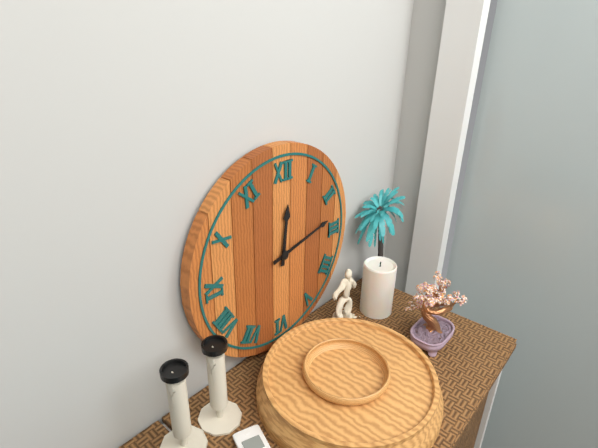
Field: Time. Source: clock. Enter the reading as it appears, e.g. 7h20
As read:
12h13
